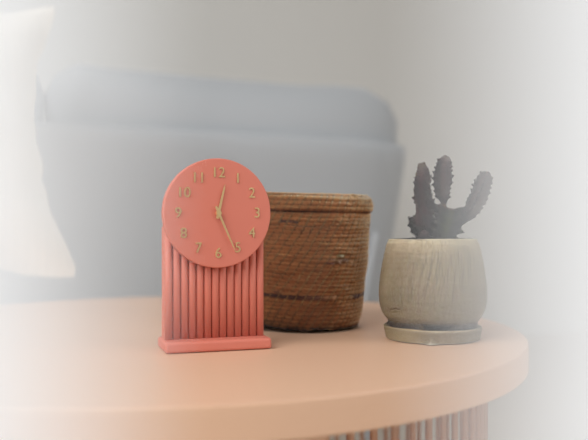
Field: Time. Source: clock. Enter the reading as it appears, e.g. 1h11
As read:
12h26
